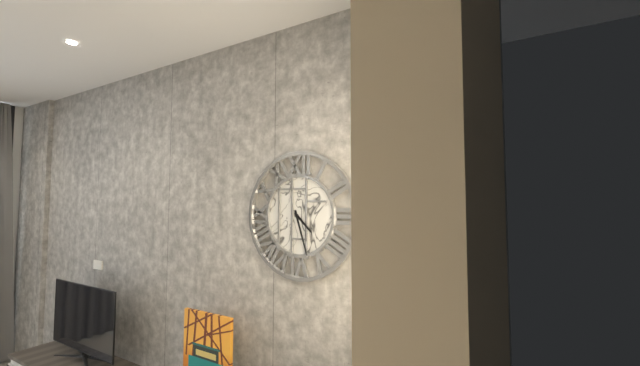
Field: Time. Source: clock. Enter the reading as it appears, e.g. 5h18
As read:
4h27
